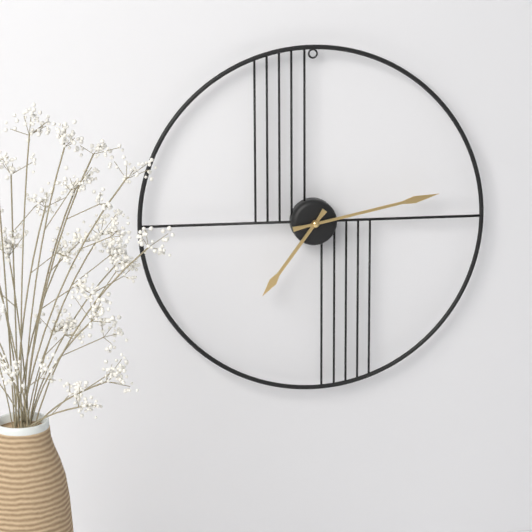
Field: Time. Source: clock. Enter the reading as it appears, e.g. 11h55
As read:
7h13
